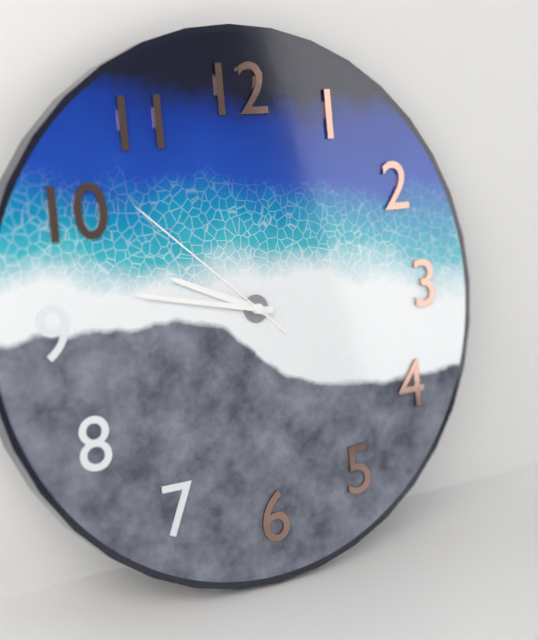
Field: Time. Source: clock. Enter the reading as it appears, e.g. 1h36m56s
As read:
9h47m52s
